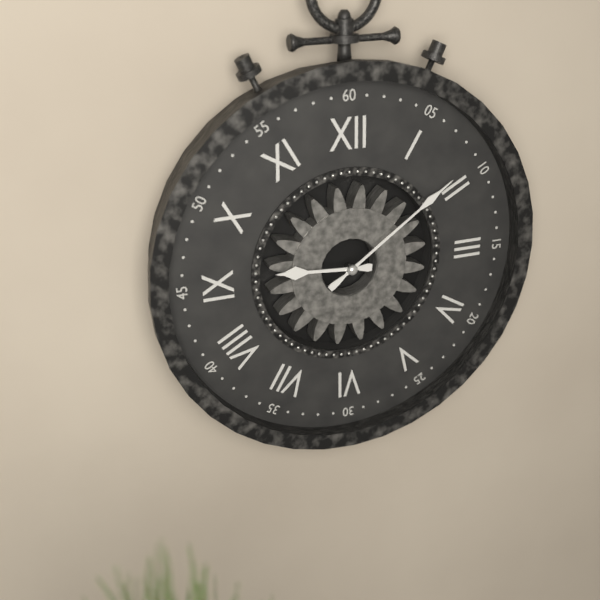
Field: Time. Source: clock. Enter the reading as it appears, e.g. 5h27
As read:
9h09
